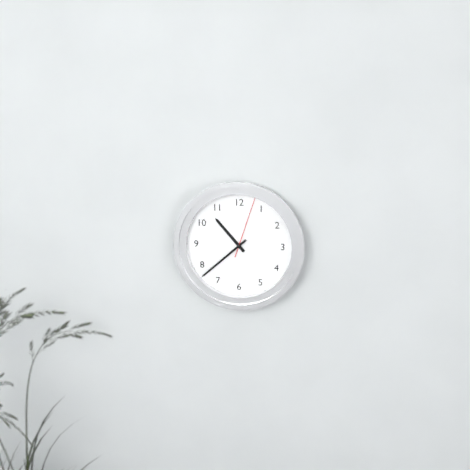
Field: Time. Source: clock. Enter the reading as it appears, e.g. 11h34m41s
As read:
10h38m03s
